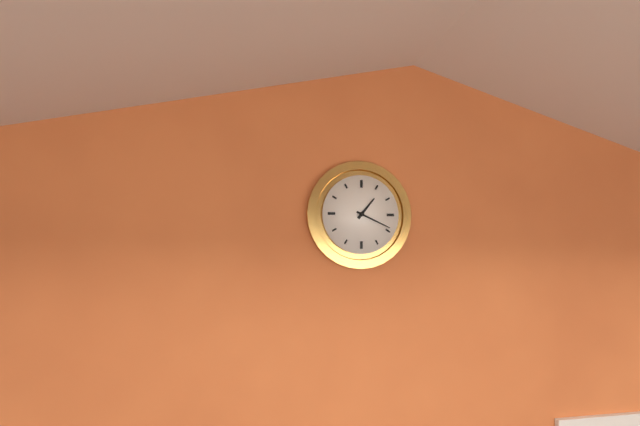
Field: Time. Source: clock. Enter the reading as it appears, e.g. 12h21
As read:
1h19
